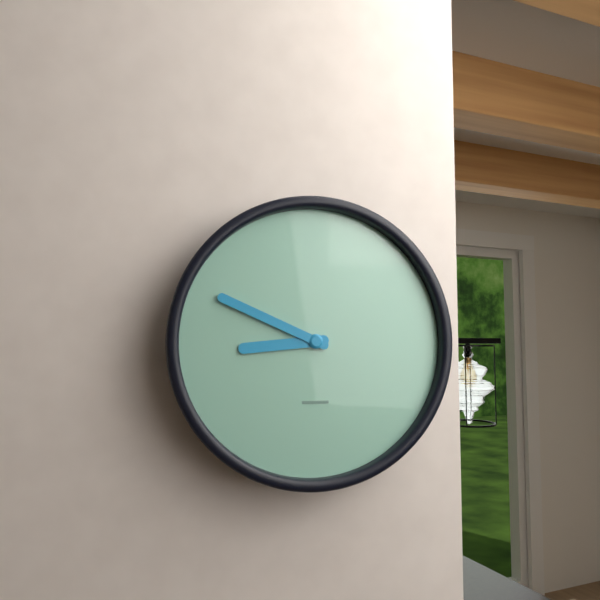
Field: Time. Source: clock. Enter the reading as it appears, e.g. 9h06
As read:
8h49
